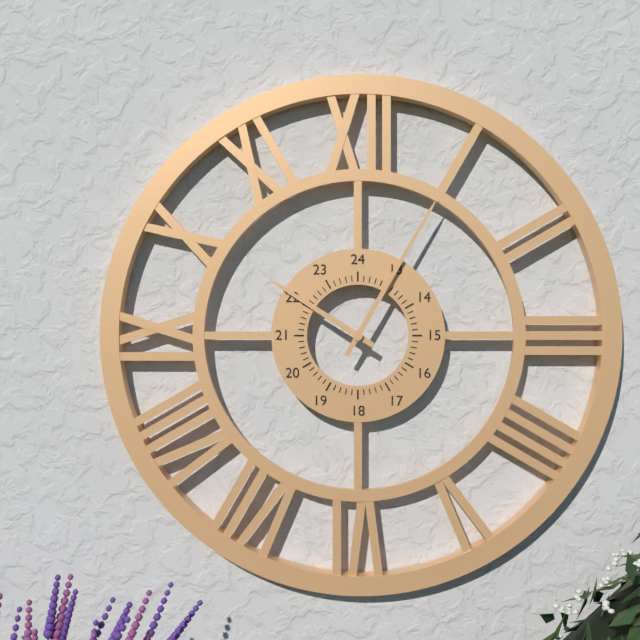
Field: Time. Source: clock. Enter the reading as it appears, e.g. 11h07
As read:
10h05
